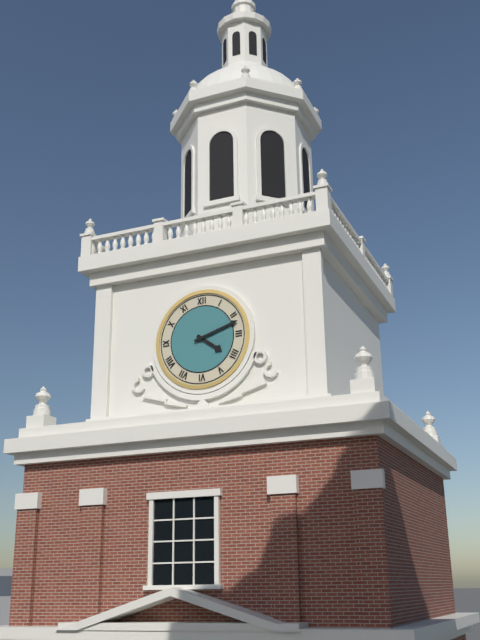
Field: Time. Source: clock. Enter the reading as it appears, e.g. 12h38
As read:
4h12
